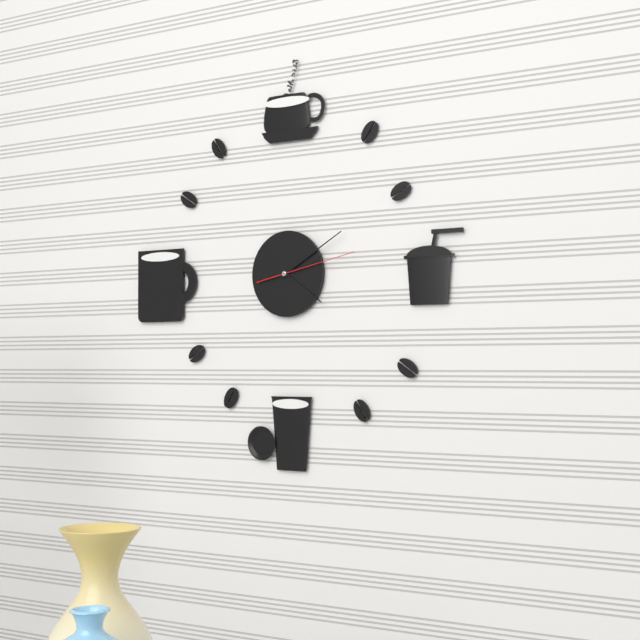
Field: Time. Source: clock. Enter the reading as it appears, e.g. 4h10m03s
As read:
4h10m13s
